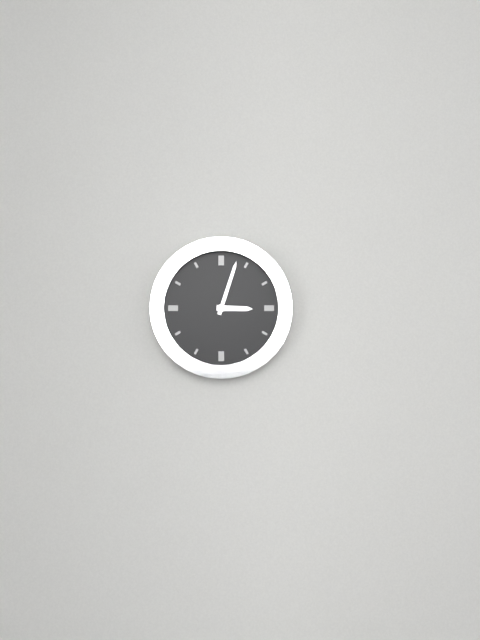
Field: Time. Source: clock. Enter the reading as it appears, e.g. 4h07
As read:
3h03
